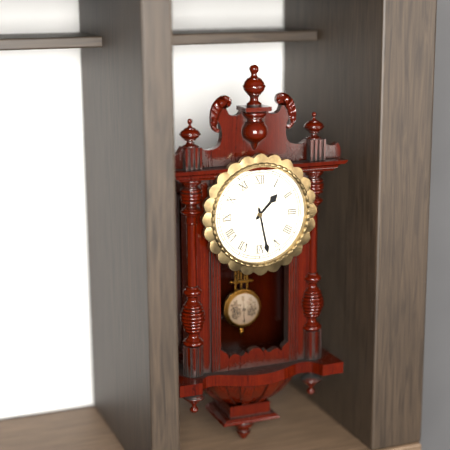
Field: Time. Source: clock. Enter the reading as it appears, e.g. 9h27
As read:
1h28
